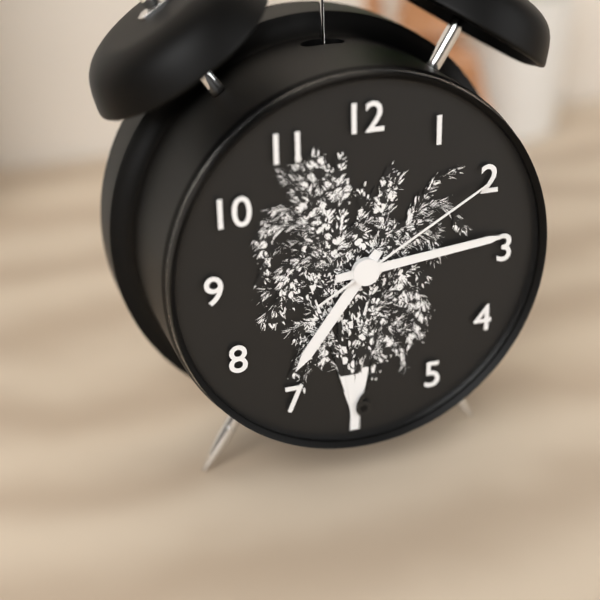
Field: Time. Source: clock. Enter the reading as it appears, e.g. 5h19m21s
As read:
7h14m10s
